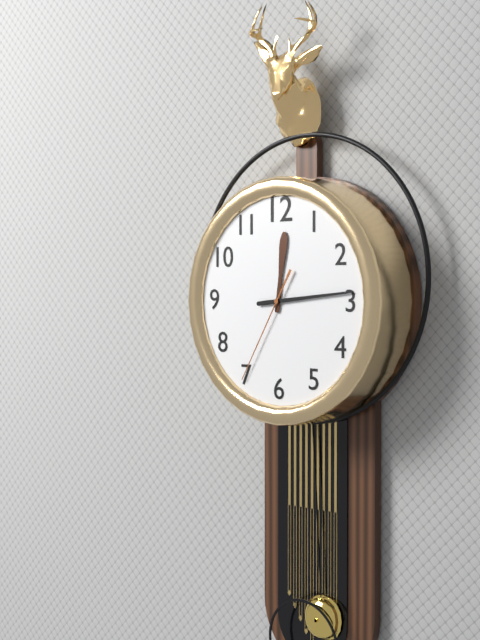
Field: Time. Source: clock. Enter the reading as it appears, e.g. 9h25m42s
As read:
12h14m35s
